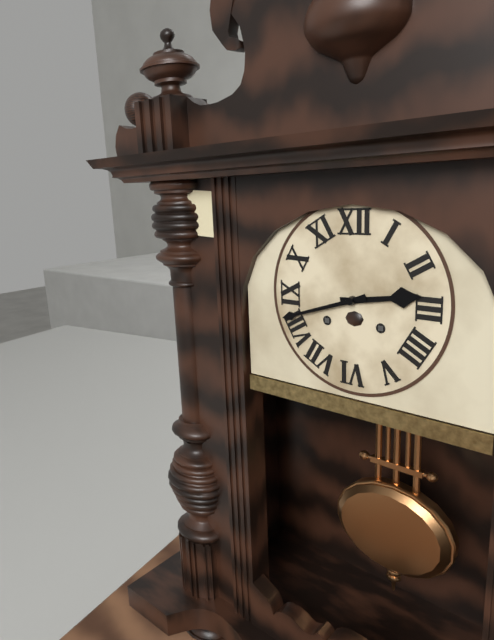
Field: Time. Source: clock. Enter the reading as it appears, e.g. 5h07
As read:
2h42
